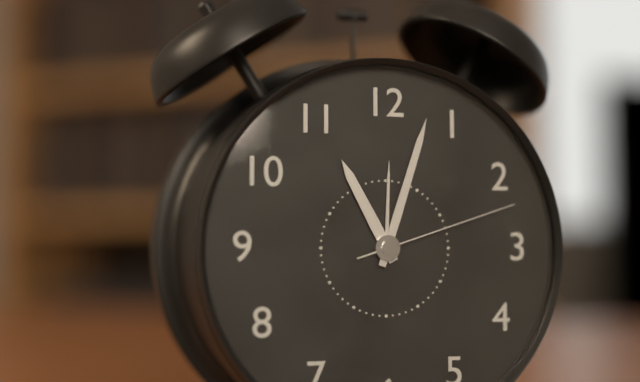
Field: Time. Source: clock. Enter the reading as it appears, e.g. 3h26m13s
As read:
11h03m12s
